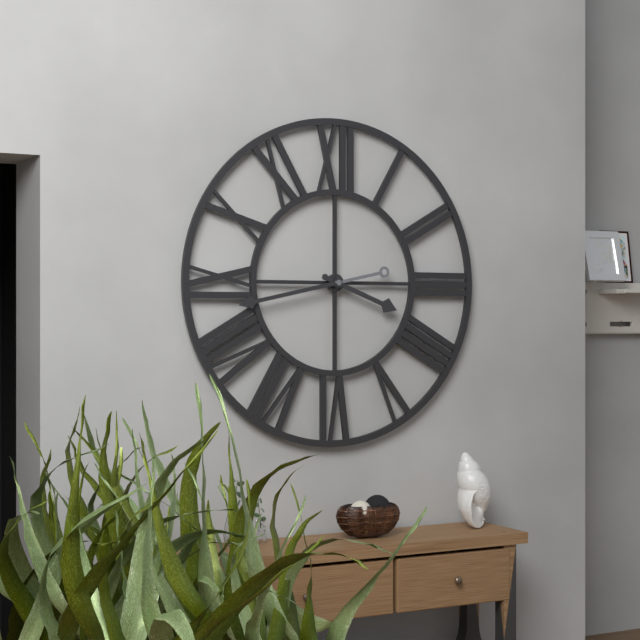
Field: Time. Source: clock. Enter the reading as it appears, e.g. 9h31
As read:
3h43
